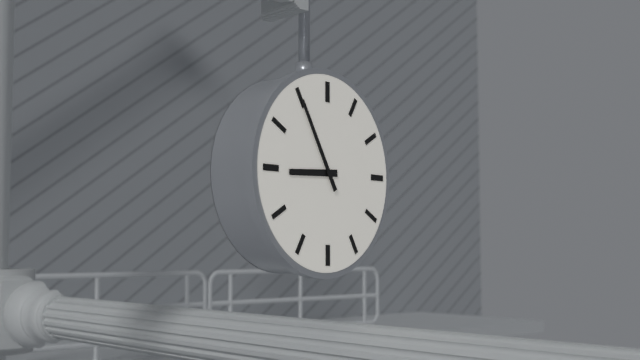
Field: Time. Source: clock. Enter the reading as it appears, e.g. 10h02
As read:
8h55
